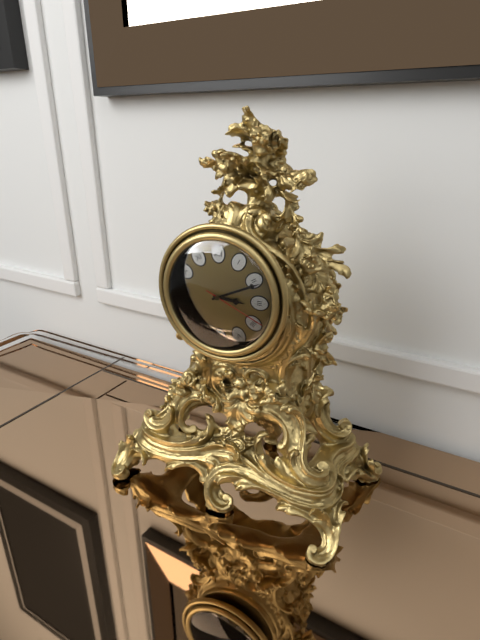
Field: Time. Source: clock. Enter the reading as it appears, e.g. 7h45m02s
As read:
3h11m19s
